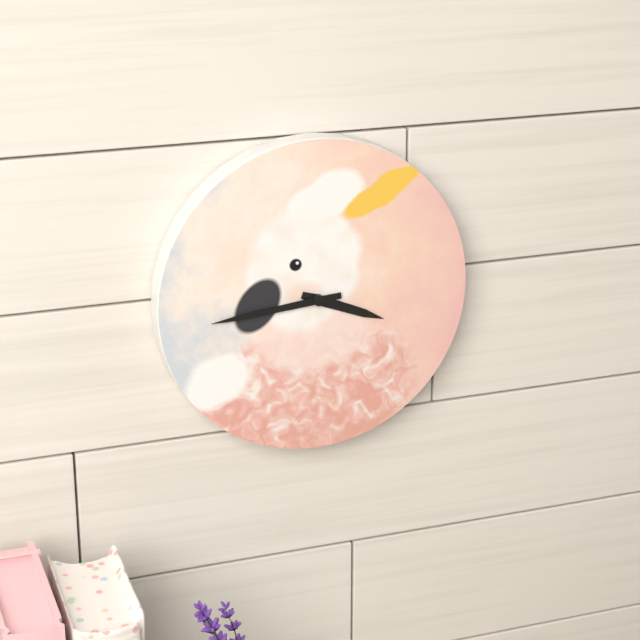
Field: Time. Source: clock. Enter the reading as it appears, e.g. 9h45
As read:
3h44
